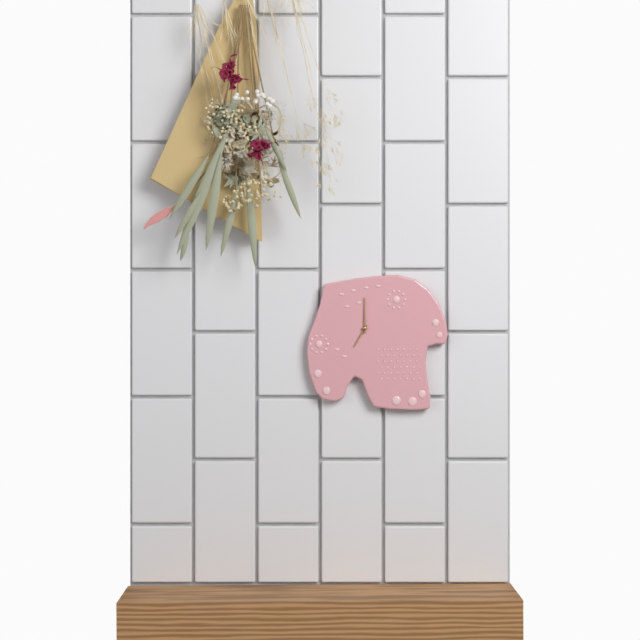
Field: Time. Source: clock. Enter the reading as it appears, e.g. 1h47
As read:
7h00
